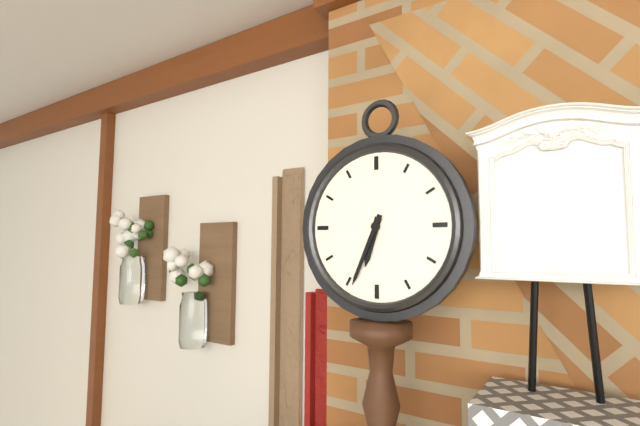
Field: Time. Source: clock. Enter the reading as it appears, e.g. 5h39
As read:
6h34
